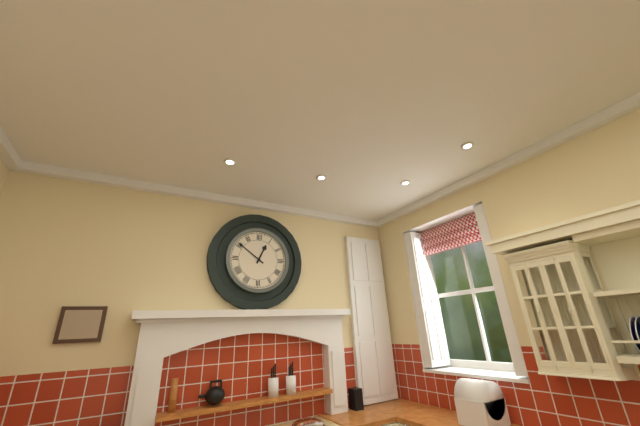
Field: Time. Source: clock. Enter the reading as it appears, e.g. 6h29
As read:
12h51
